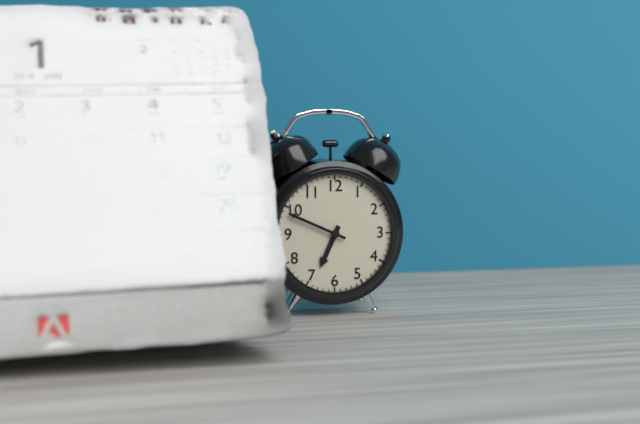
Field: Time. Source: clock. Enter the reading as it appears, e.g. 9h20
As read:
6h49
